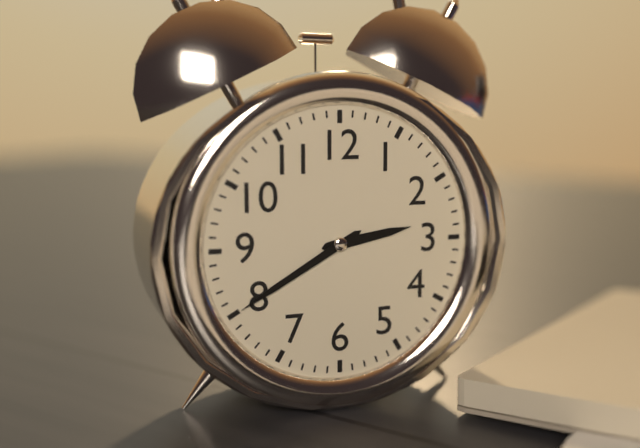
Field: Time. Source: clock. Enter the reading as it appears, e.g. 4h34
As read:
2h40
